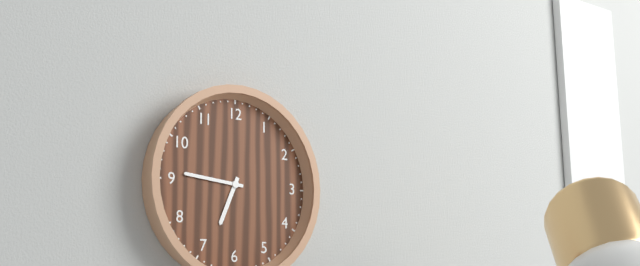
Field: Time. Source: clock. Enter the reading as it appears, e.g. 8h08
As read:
6h46
